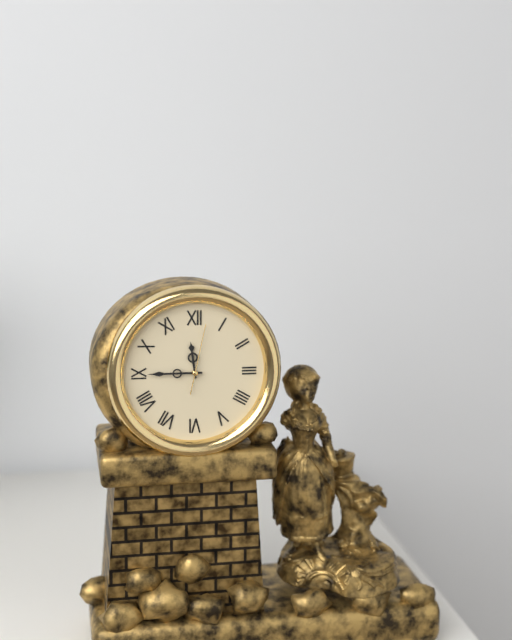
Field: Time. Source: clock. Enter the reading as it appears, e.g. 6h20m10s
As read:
11h45m02s
